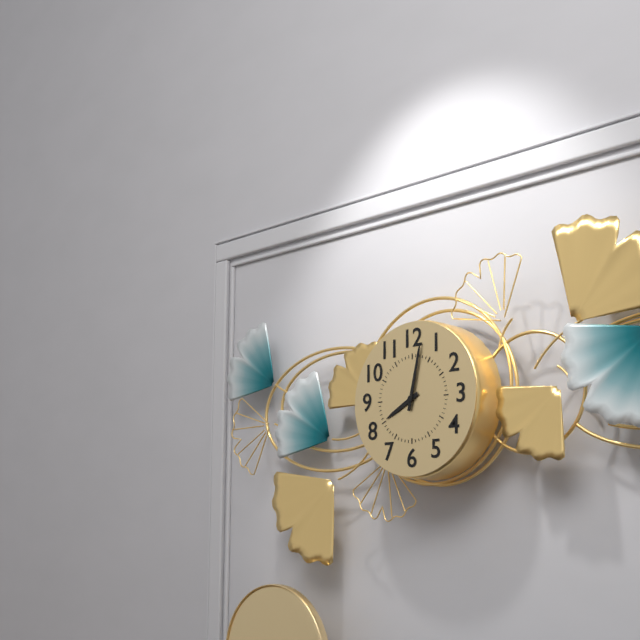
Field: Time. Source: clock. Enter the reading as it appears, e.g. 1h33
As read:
8h02
